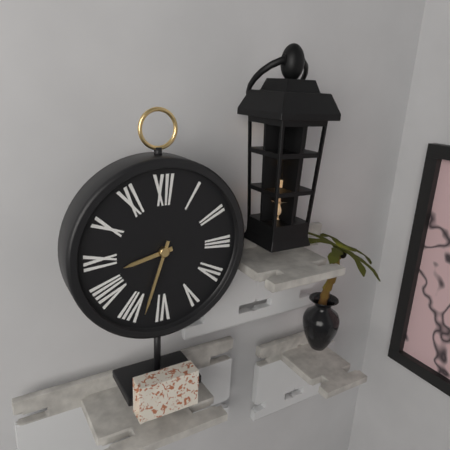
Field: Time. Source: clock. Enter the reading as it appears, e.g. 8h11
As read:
8h33
